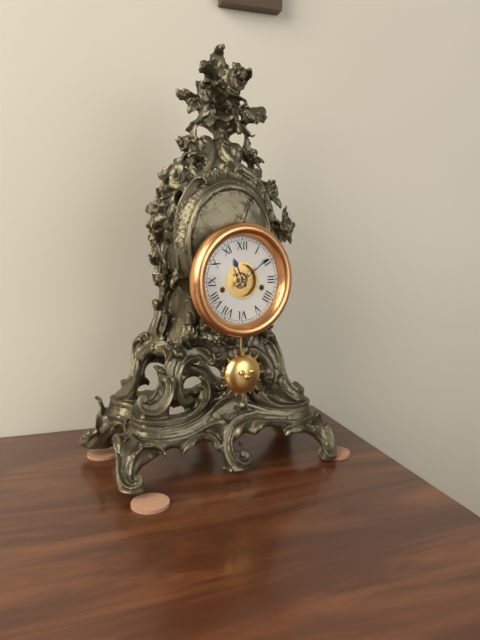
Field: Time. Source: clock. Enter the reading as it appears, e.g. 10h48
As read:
11h09
